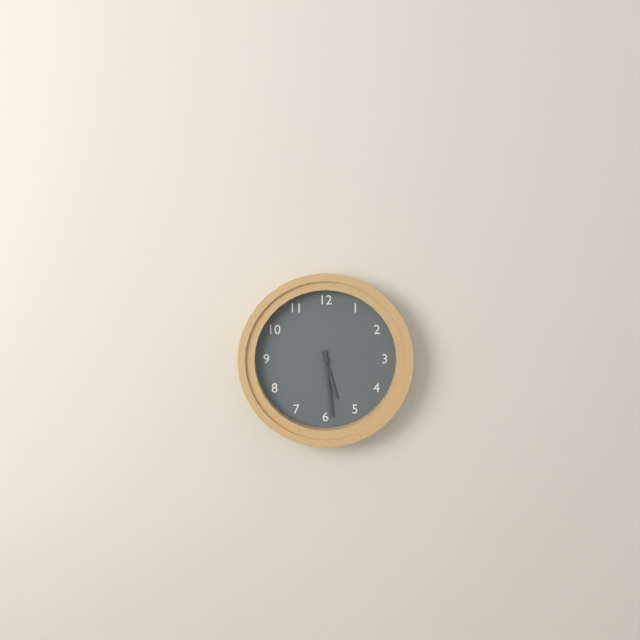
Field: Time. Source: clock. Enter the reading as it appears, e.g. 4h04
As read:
5h29
